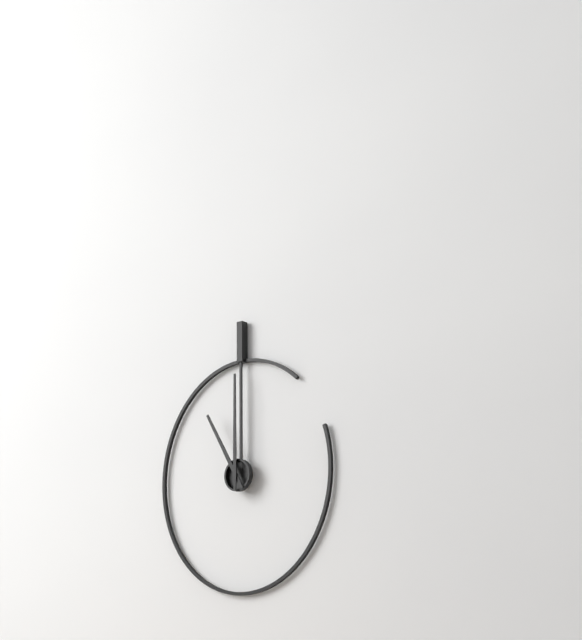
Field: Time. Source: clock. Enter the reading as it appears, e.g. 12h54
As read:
11h00
